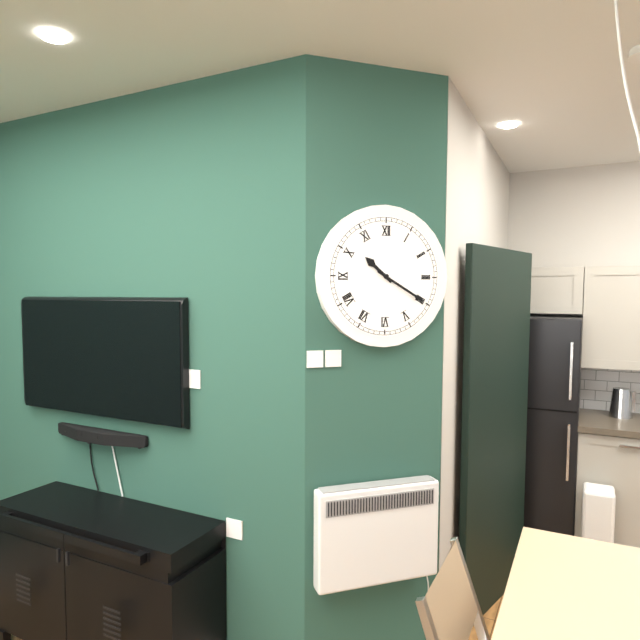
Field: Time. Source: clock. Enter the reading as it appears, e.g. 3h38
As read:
10h20
